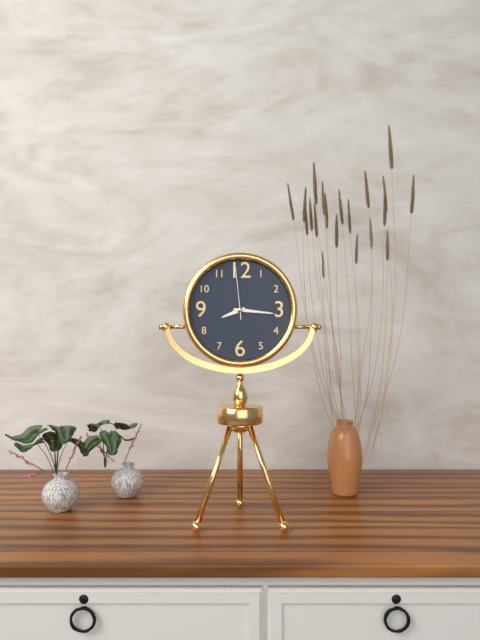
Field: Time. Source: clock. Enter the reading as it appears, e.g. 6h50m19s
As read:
8h16m59s
